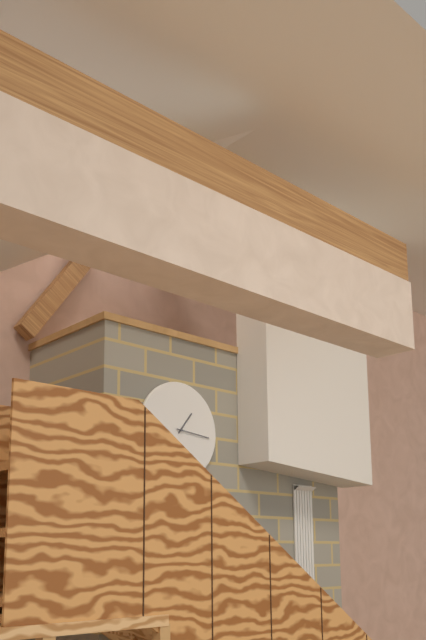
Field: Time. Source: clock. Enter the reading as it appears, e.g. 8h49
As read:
1h16
